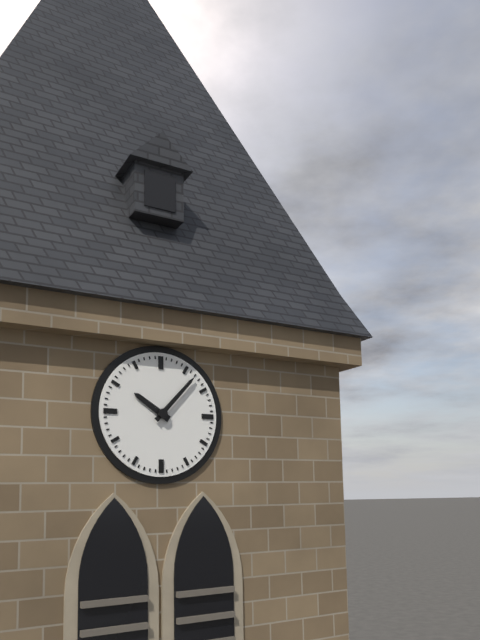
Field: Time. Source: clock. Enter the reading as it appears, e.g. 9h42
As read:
10h07
